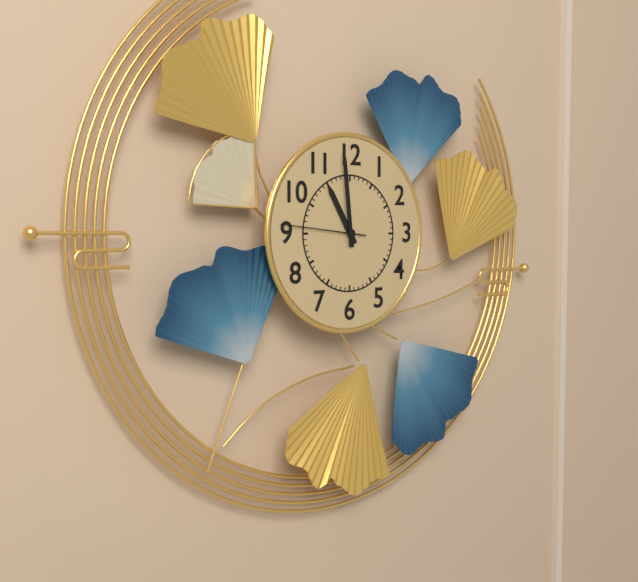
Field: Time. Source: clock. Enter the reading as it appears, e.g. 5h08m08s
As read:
10h59m46s
